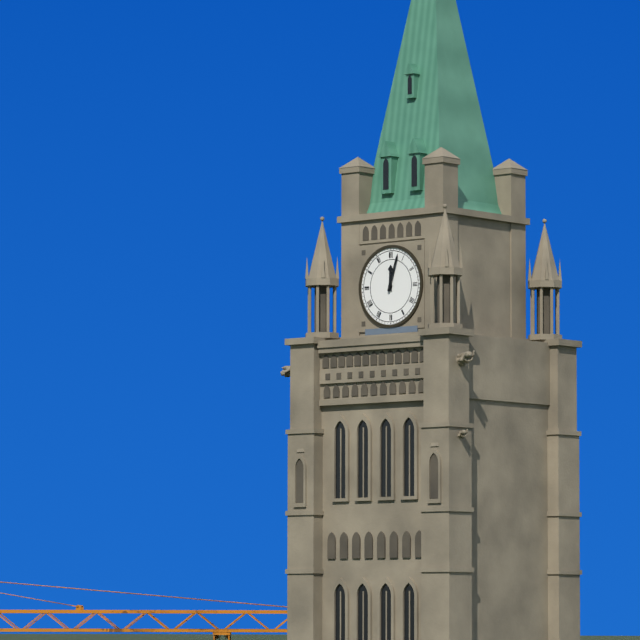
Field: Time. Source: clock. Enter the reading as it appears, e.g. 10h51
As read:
12h03
